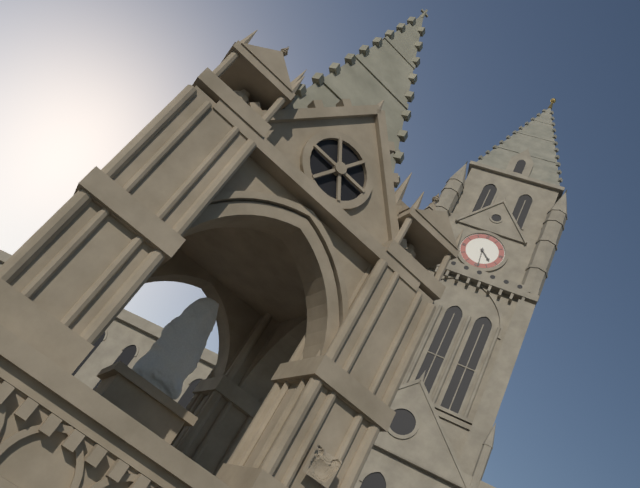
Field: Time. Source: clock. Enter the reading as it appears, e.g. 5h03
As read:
4h29
